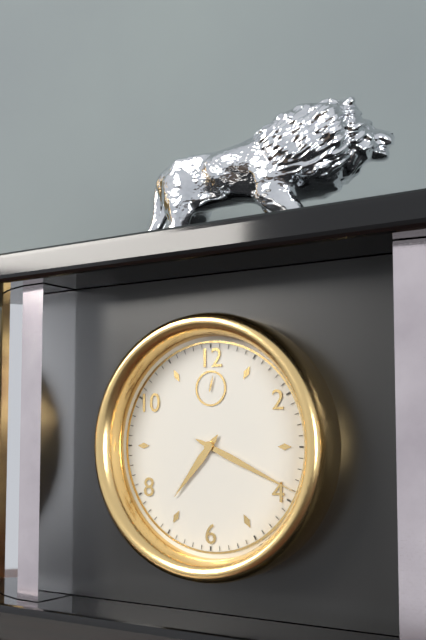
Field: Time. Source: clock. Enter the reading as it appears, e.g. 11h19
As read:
7h19
